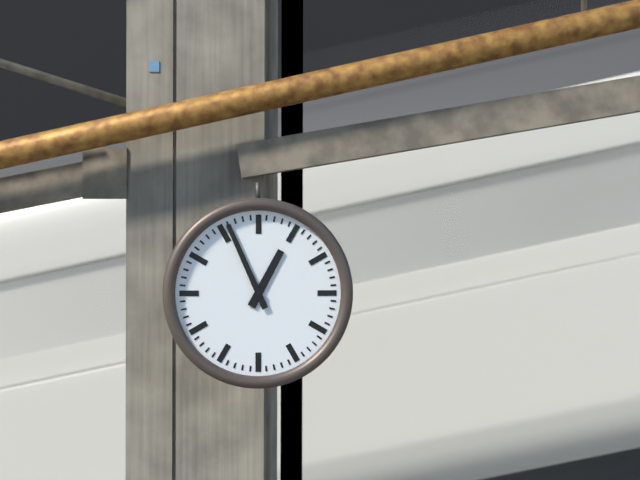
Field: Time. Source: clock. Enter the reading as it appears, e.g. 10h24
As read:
12h56
